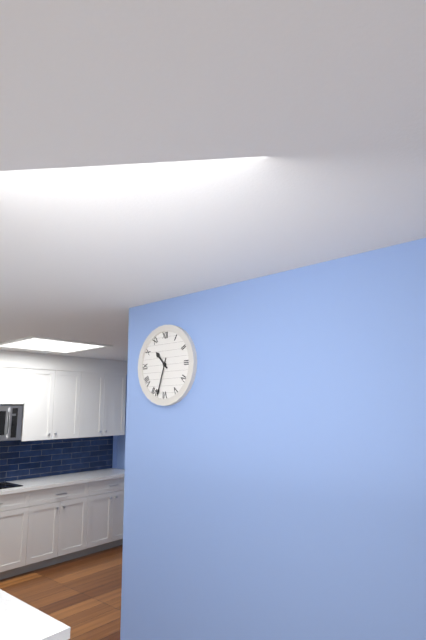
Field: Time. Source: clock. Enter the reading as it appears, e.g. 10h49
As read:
10h33
